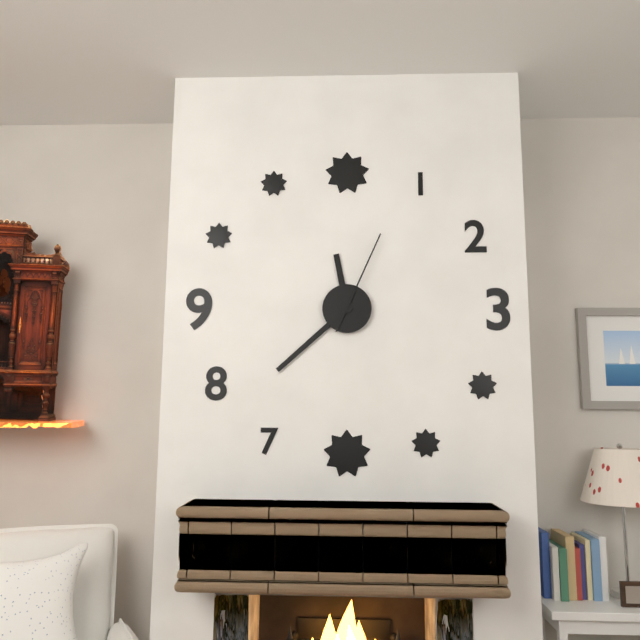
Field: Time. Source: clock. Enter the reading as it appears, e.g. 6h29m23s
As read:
11h38m04s
